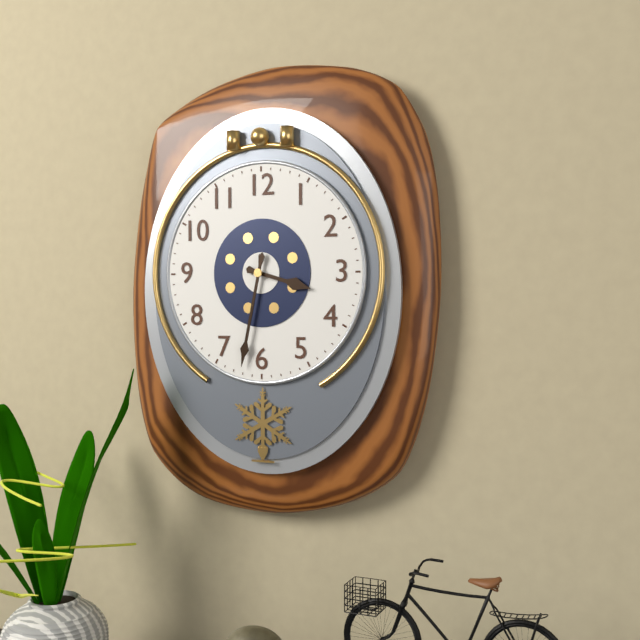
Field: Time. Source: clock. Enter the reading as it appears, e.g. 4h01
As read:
3h32
